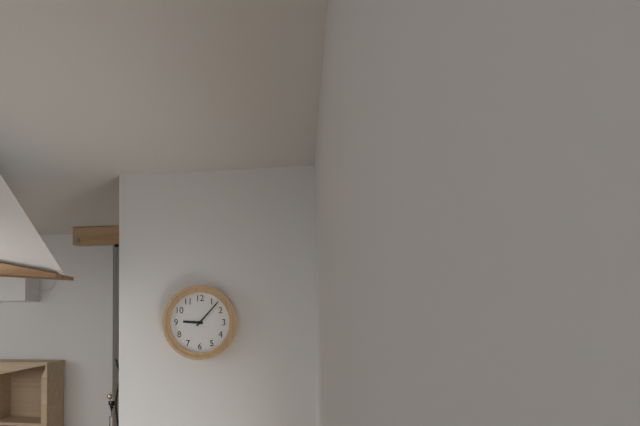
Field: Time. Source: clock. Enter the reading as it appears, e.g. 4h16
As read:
9h07
